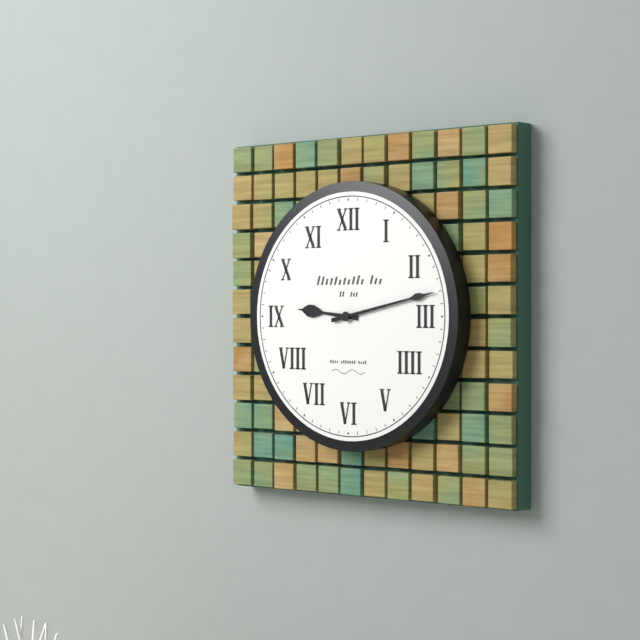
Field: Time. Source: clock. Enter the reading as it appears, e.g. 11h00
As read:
9h13
